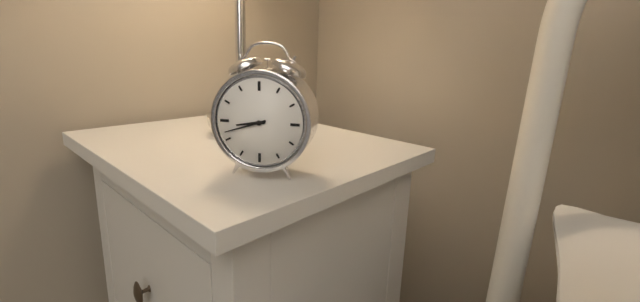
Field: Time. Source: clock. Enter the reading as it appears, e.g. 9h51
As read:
8h42
